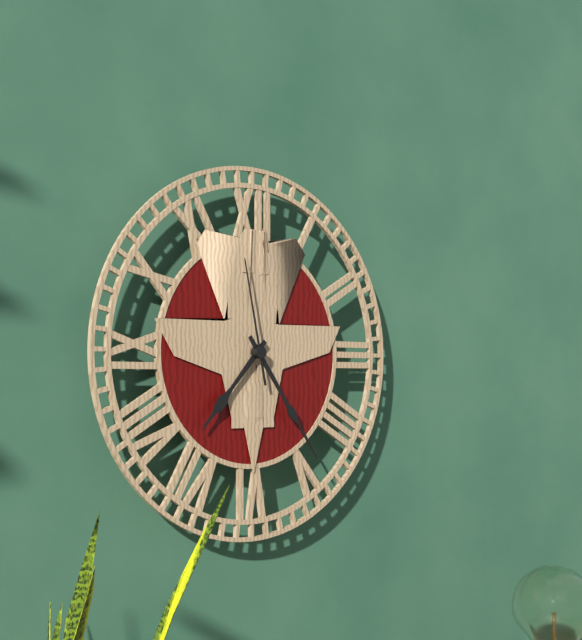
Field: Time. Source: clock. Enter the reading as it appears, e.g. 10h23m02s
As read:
7h24m58s
